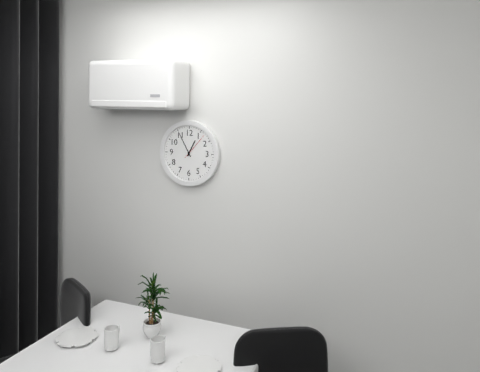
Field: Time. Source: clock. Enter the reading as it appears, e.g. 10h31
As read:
12h55
